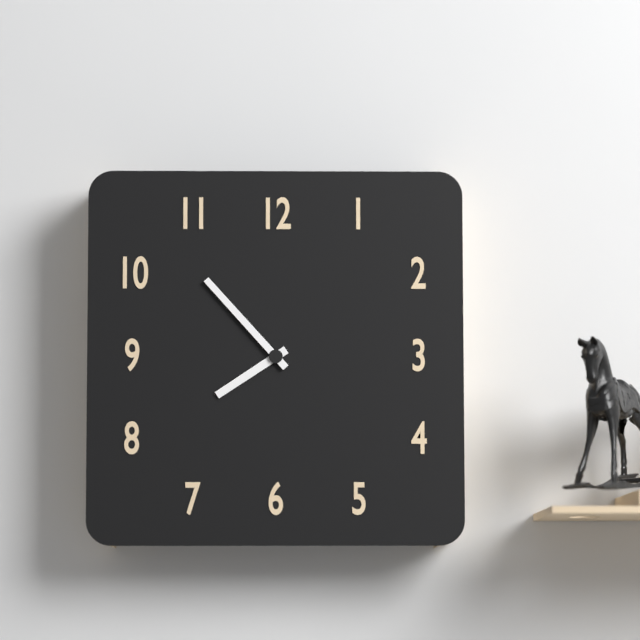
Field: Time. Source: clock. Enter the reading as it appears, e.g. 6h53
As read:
7h53
